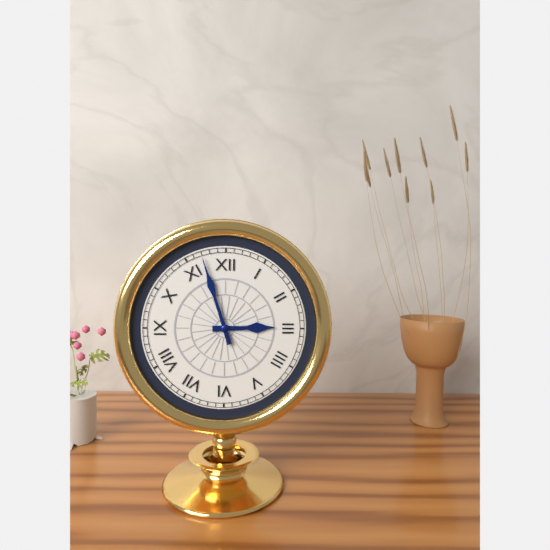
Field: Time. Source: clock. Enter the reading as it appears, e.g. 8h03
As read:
2h57
